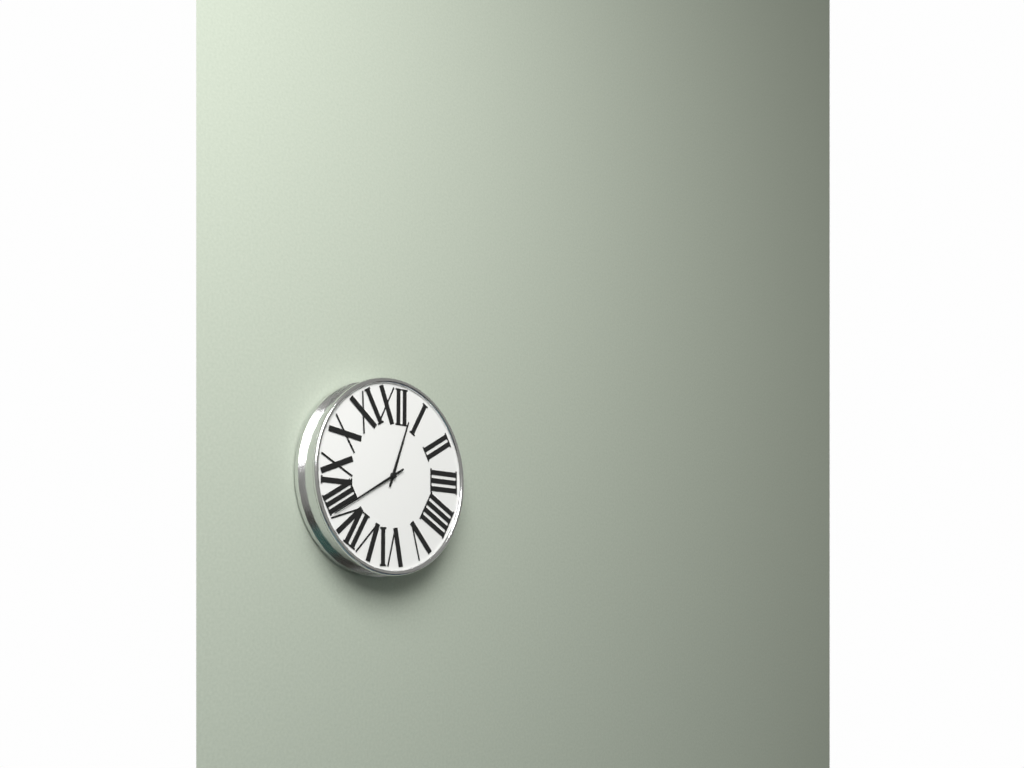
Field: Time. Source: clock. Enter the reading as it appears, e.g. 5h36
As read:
12h40
